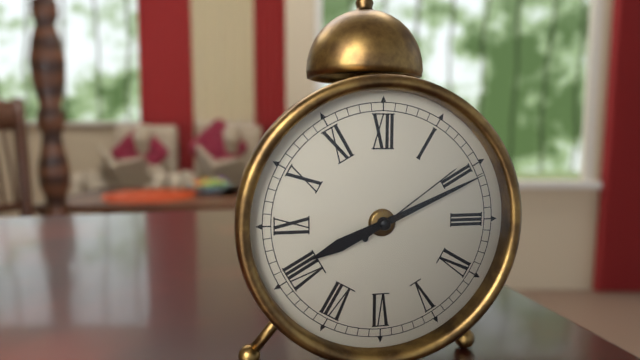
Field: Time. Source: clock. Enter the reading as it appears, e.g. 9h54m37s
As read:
8h11m09s
